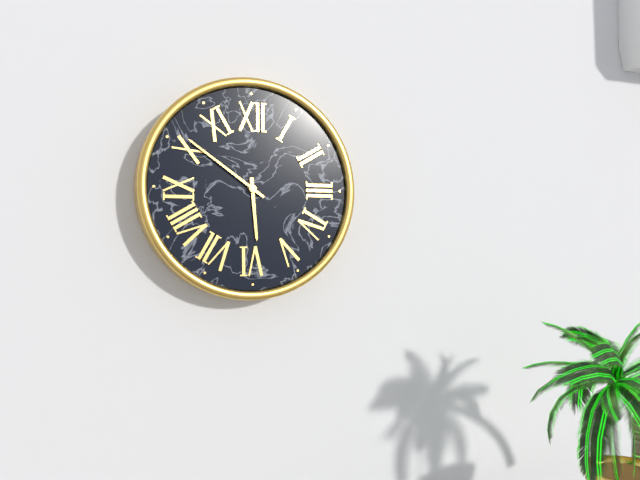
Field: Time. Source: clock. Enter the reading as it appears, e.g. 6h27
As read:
5h51
